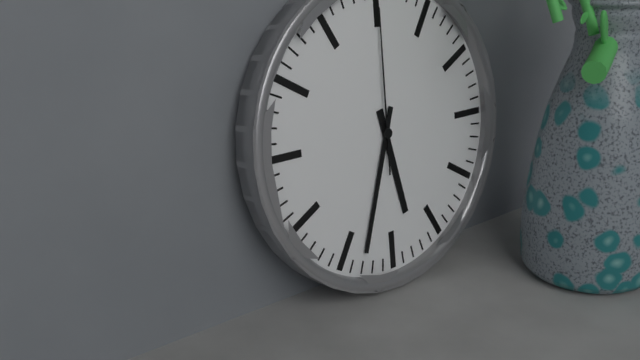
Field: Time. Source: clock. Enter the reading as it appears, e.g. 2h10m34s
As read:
5h33m00s
